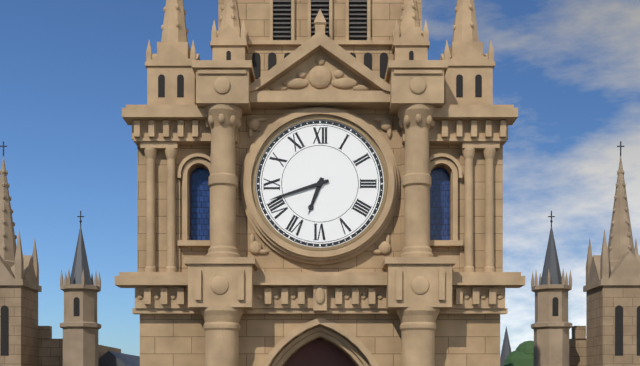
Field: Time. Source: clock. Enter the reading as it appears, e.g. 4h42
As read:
6h42
